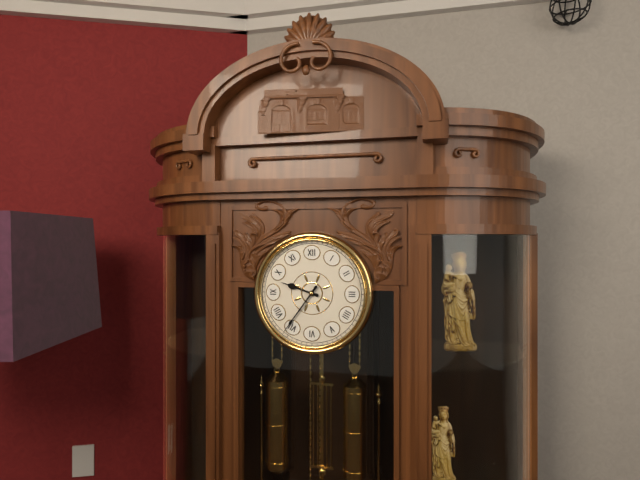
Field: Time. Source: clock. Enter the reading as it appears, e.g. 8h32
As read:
9h36
